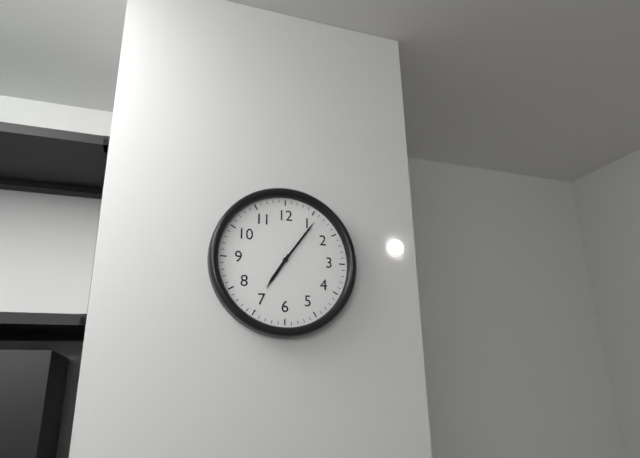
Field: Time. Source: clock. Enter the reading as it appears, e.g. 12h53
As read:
7h06
